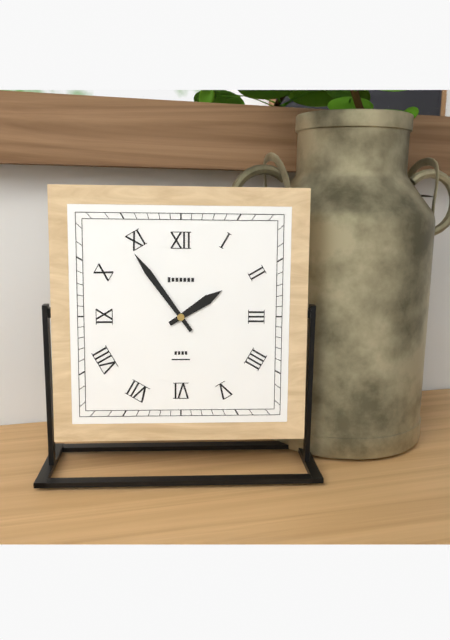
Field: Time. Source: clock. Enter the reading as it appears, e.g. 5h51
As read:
1h54
